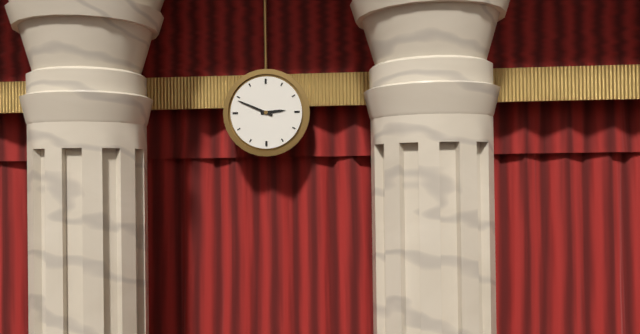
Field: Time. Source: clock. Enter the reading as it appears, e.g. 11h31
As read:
2h49
